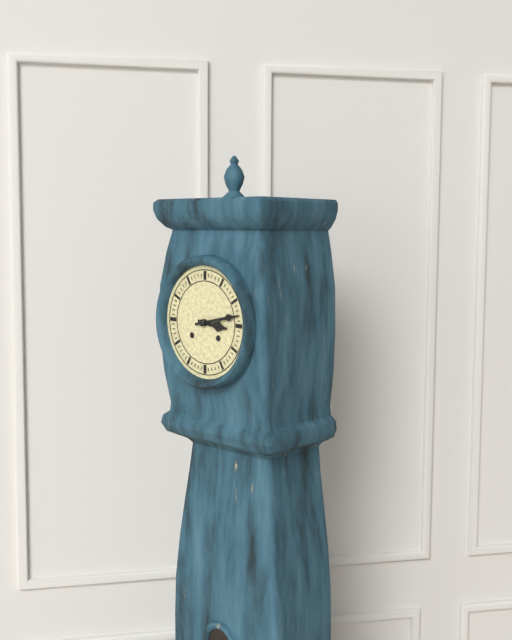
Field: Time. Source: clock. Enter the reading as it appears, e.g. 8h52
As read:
3h13
